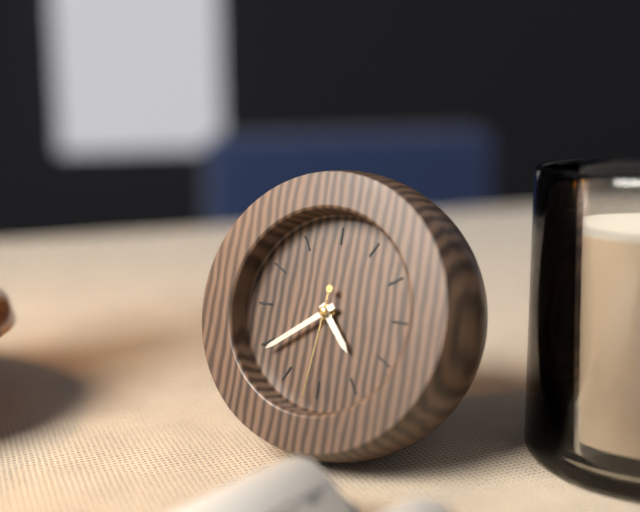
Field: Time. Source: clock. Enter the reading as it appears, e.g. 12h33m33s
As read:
4h39m31s
